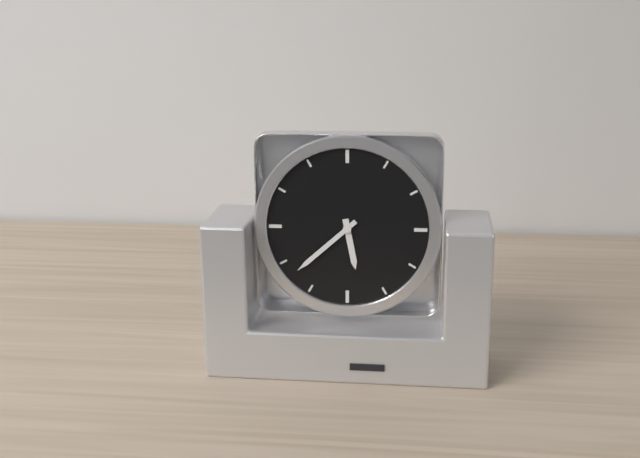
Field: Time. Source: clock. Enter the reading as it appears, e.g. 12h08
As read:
5h38
